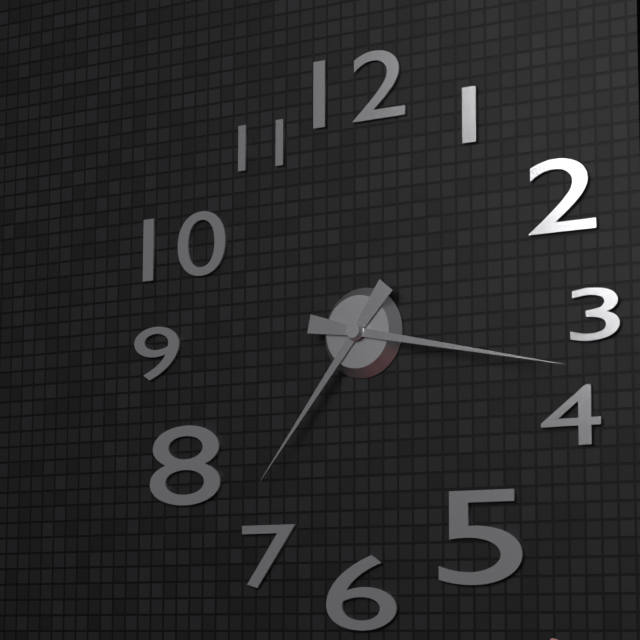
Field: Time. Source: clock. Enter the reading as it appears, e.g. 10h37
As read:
7h17
